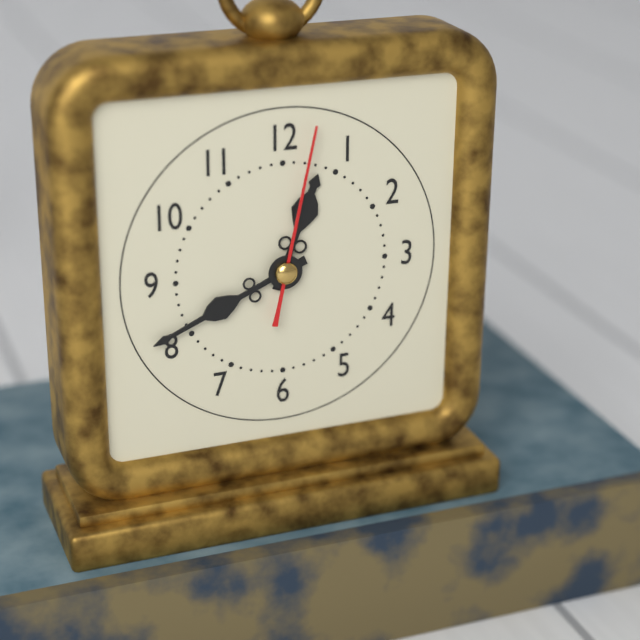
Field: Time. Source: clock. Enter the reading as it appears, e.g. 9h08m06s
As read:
12h41m02s
